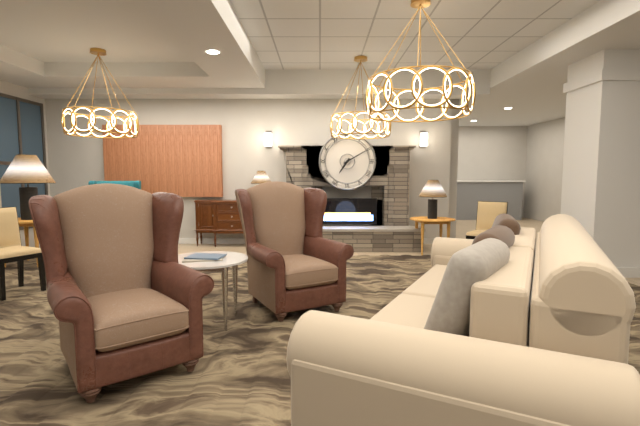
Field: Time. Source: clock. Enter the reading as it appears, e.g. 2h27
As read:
7h10
